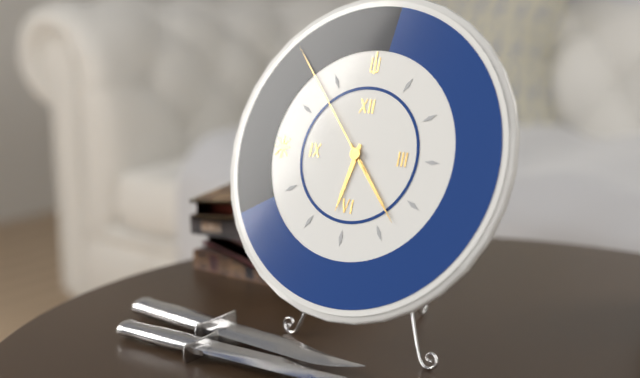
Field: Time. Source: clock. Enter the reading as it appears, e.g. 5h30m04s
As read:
6h23m53s
